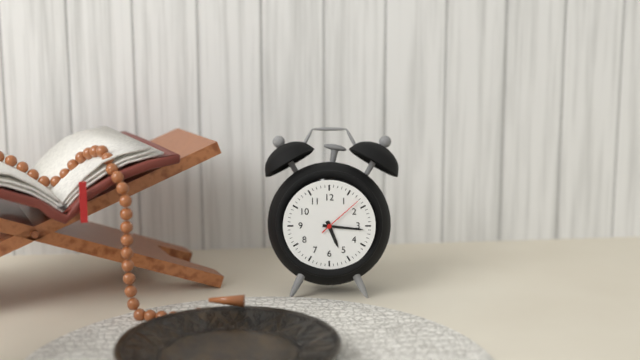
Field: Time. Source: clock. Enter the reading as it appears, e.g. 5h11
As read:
5h16
